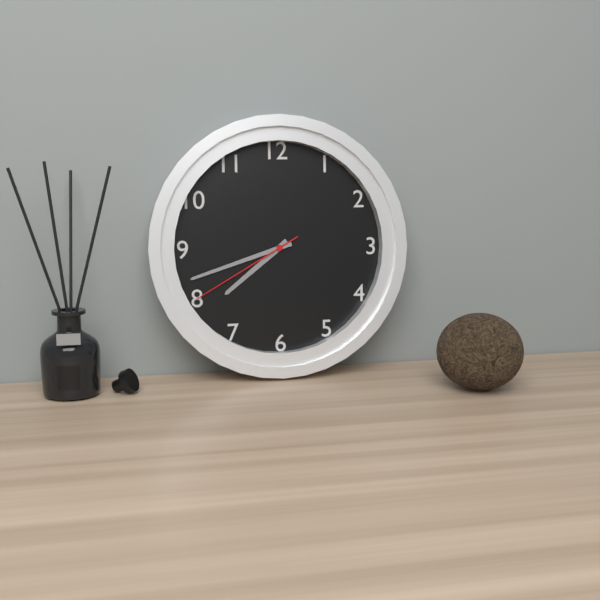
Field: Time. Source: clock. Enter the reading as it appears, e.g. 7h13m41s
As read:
7h42m40s
